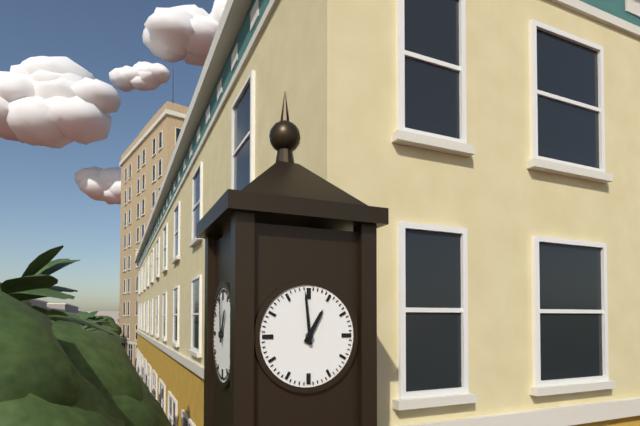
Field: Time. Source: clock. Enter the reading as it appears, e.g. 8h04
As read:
12h59
